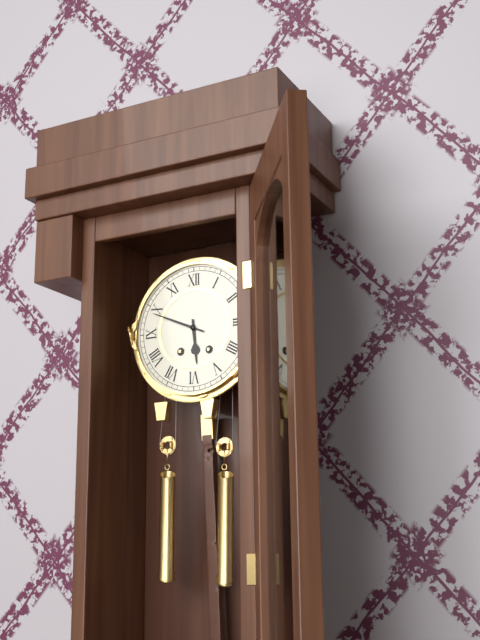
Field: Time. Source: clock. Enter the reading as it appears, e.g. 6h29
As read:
5h49
